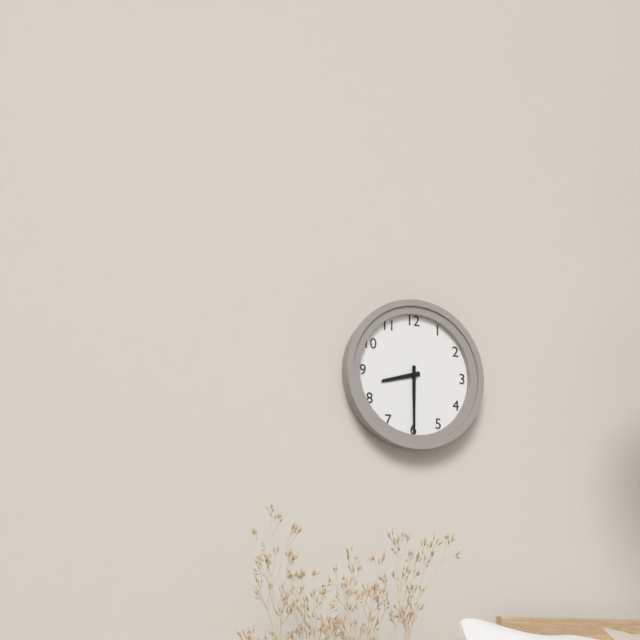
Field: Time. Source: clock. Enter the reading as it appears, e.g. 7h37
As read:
8h30
